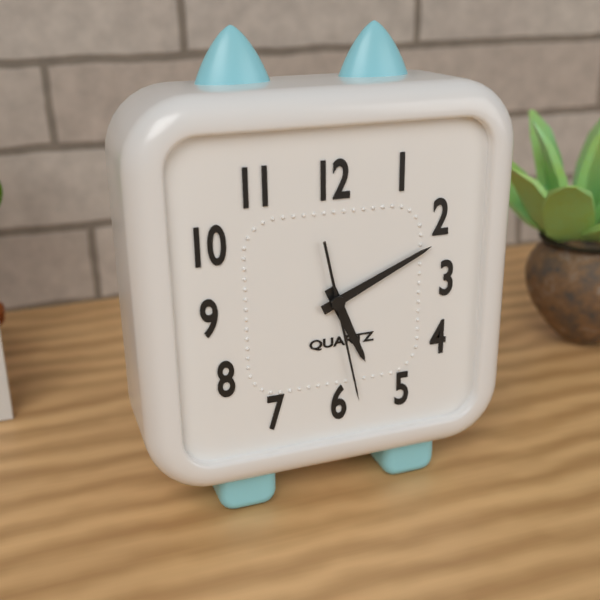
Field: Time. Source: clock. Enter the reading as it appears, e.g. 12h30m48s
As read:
5h11m28s
